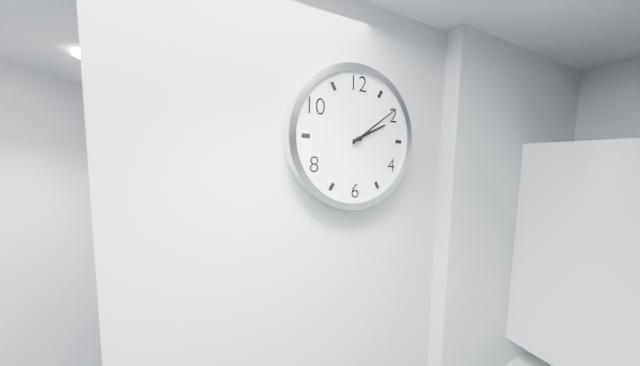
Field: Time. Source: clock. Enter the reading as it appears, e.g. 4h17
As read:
2h09
